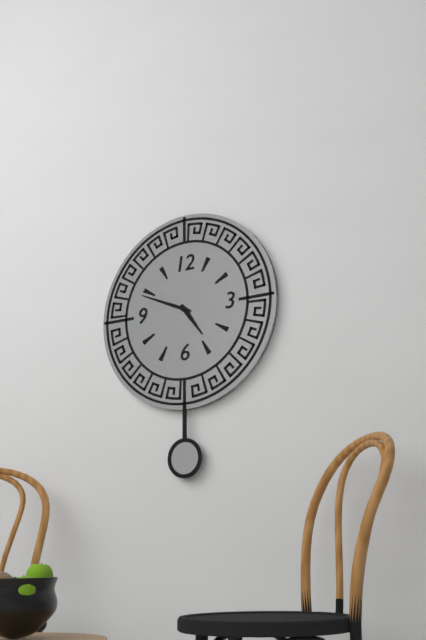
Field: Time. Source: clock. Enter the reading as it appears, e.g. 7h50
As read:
4h49
